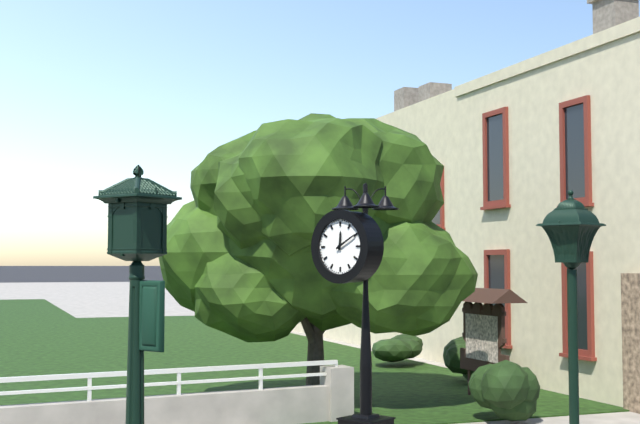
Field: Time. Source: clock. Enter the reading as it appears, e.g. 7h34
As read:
12h10
